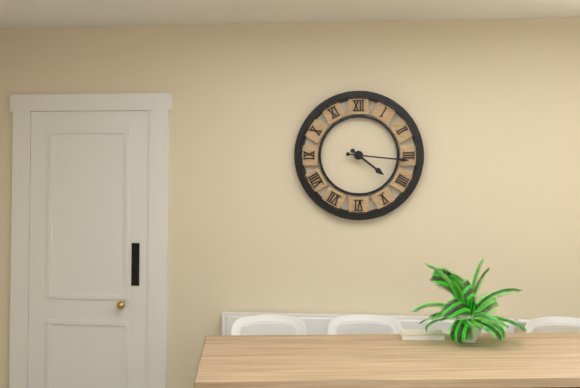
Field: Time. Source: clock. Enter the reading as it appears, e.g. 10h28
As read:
4h16
